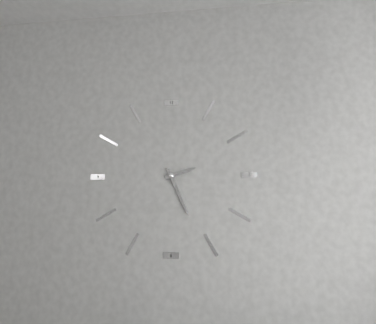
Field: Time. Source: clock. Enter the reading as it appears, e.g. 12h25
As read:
2h26
